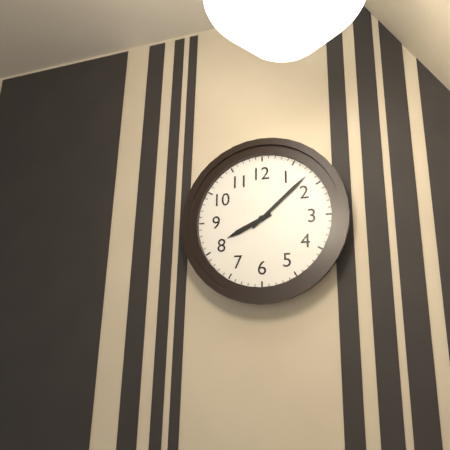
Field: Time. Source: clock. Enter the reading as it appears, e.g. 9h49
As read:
8h08
